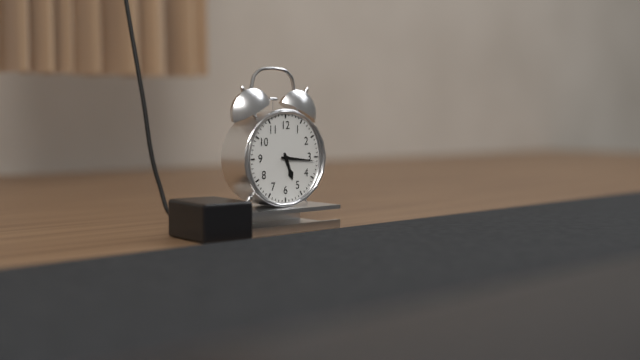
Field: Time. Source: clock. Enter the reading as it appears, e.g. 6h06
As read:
5h16
